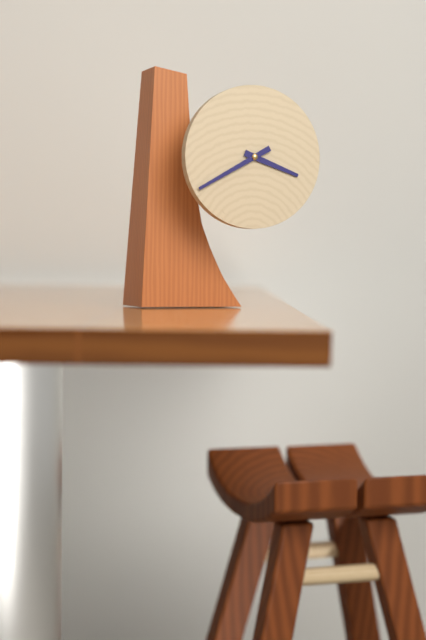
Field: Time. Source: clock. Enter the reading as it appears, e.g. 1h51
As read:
3h40
